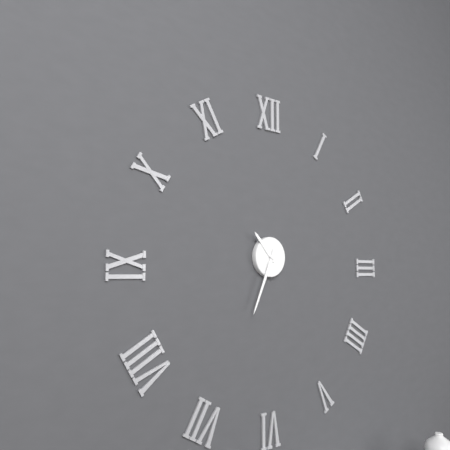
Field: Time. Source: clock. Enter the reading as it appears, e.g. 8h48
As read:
10h34
